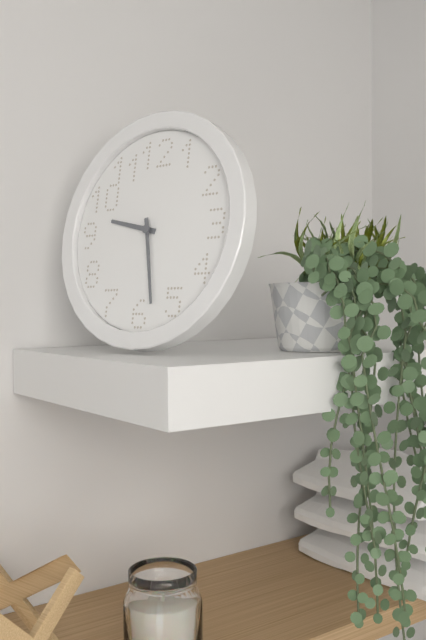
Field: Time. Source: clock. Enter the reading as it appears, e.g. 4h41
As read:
9h28
